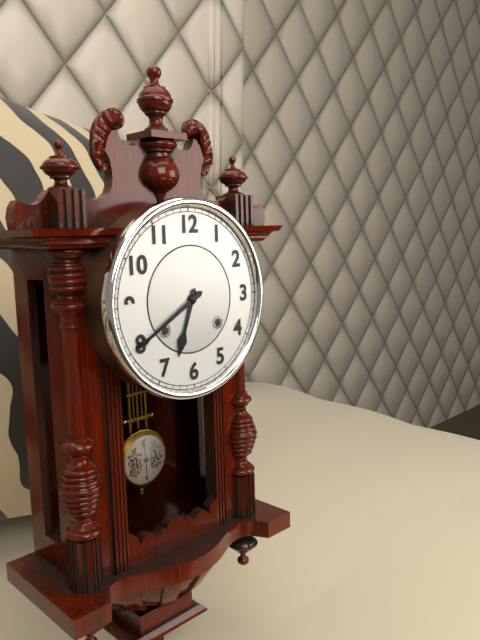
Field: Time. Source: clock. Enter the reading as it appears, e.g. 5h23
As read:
6h40
